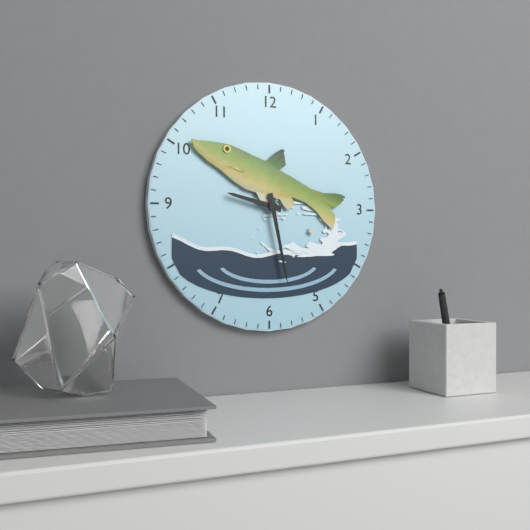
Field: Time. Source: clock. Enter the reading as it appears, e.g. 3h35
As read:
9h28
